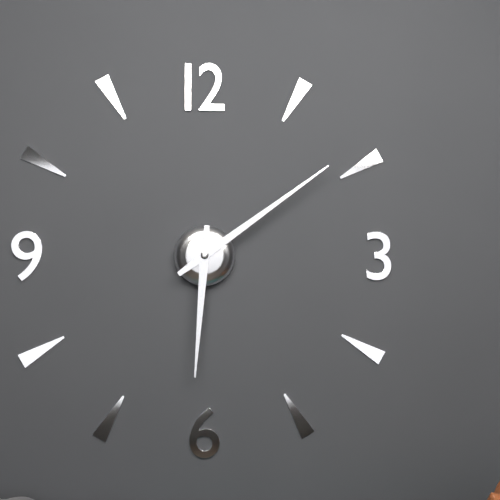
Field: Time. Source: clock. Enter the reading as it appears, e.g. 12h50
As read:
6h09
